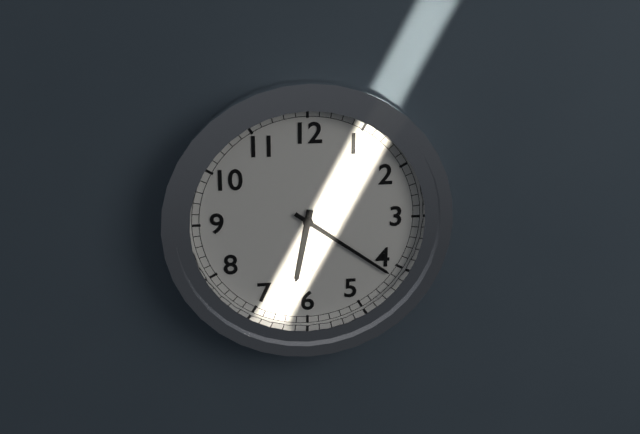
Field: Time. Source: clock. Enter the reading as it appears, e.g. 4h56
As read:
6h21
